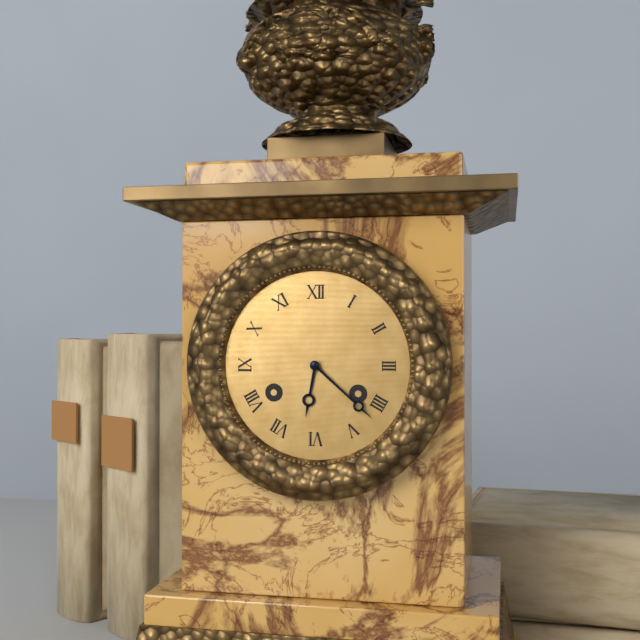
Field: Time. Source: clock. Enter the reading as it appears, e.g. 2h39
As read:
6h22
